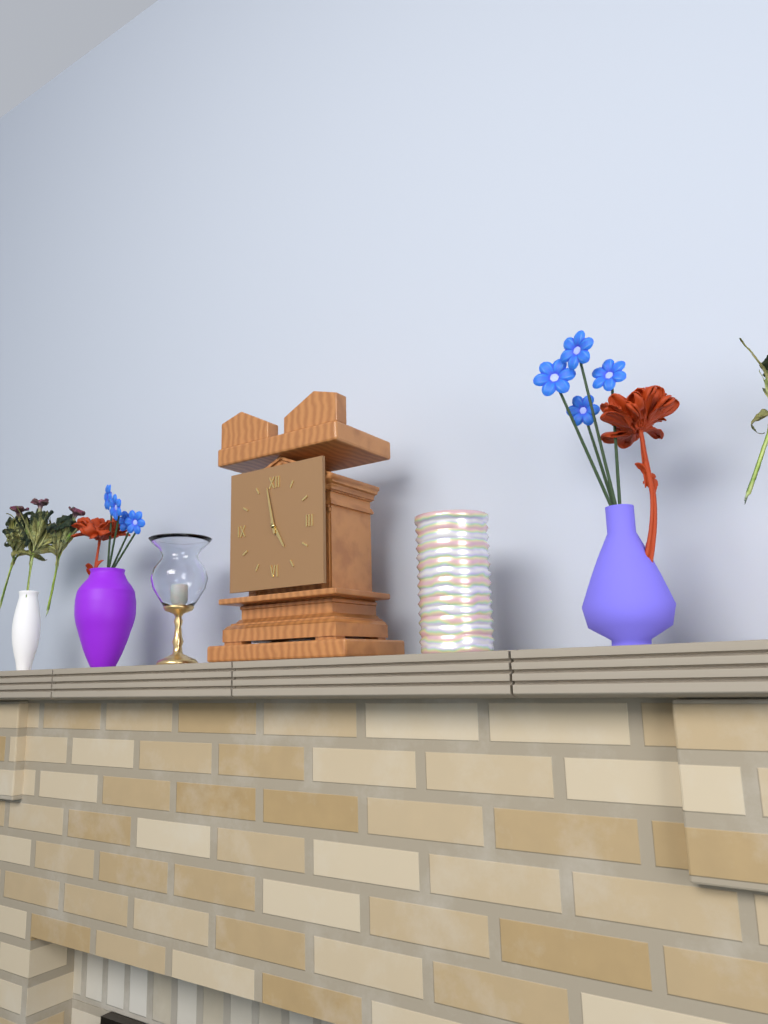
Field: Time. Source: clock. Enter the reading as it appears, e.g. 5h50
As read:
4h58
